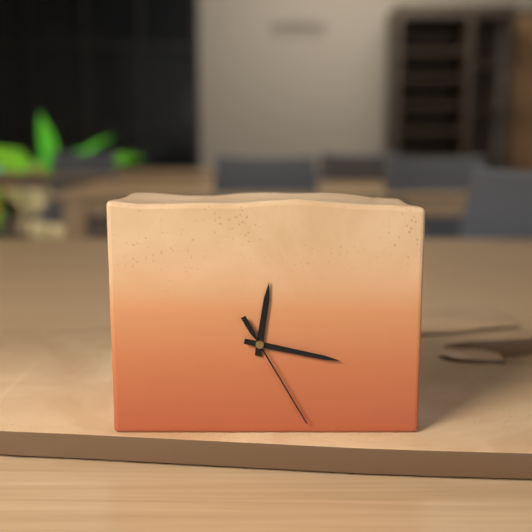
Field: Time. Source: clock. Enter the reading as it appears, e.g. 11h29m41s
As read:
12h17m25s
